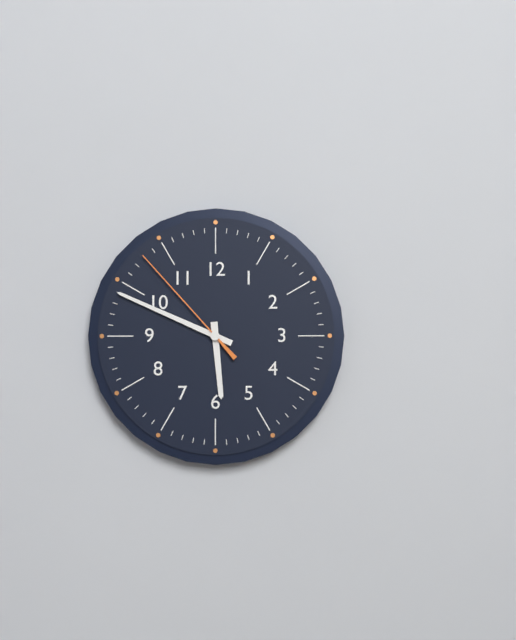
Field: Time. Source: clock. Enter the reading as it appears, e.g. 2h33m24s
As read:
5h49m53s
